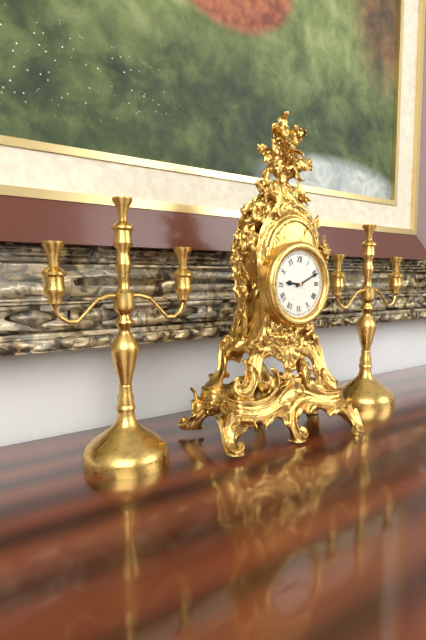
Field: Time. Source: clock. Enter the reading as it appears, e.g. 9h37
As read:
9h11
